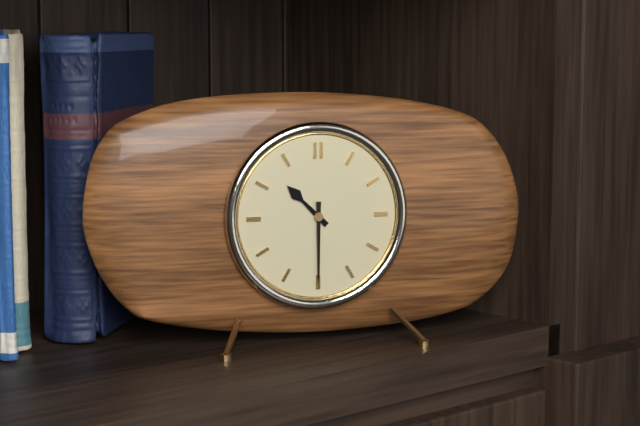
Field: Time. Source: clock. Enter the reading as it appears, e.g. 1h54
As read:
10h30
